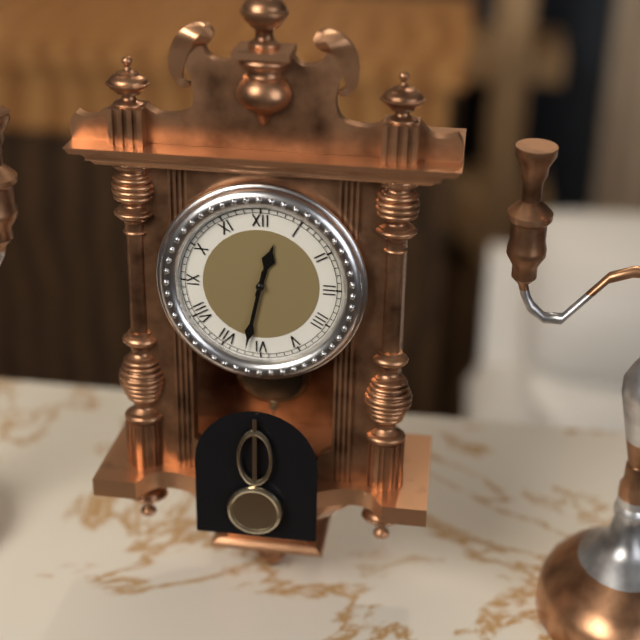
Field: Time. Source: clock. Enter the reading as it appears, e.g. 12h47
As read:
12h32
